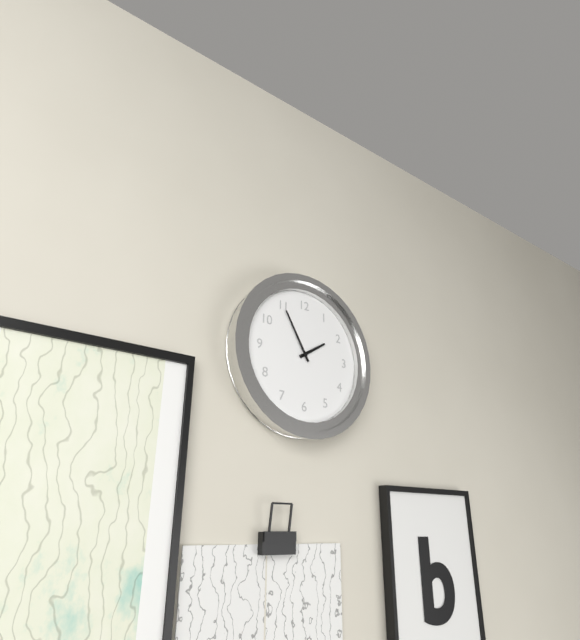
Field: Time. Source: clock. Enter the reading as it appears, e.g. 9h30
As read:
1h55
